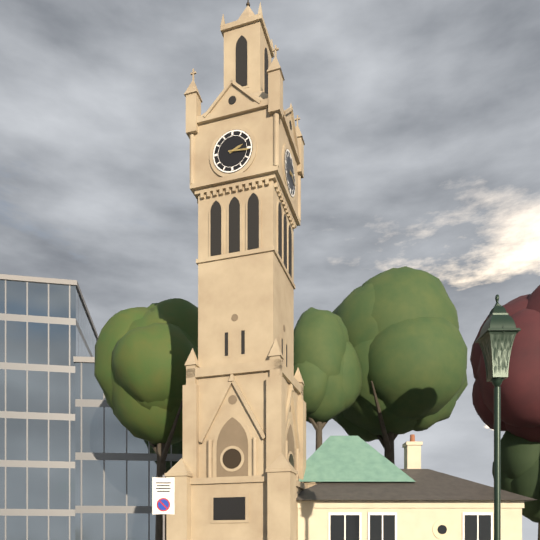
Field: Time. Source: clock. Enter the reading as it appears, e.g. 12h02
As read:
2h16
